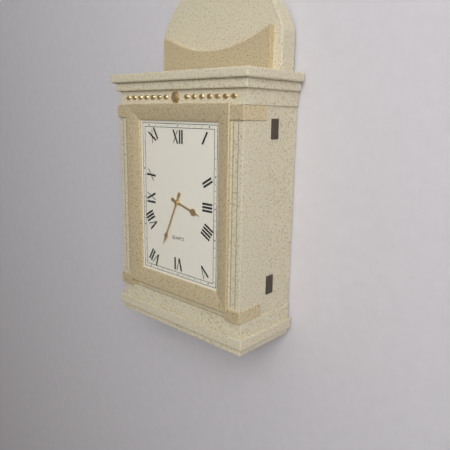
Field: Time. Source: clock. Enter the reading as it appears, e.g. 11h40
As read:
3h34
